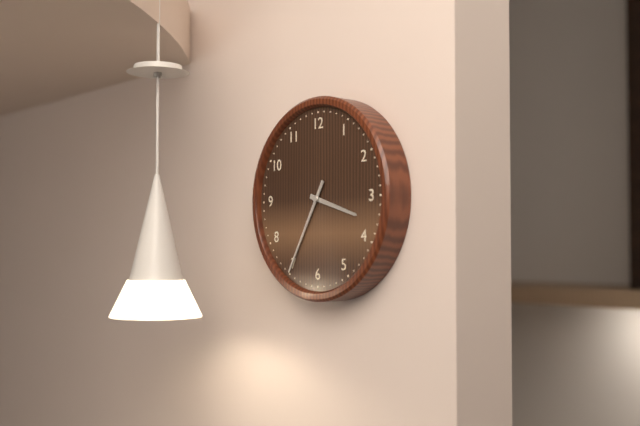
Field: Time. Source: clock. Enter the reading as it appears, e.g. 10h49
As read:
3h35
